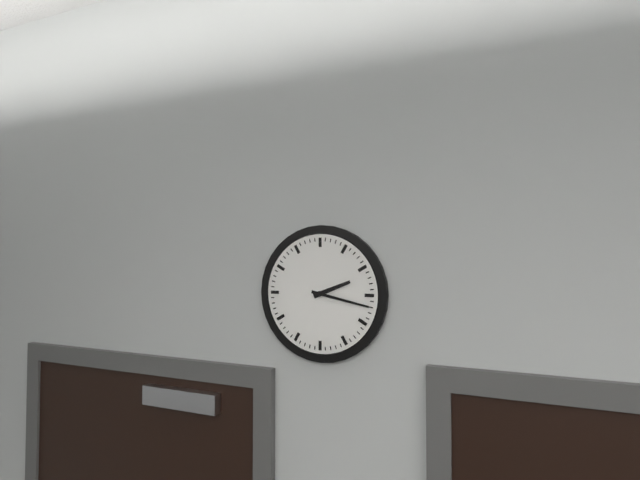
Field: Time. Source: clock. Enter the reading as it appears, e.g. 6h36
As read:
2h17
